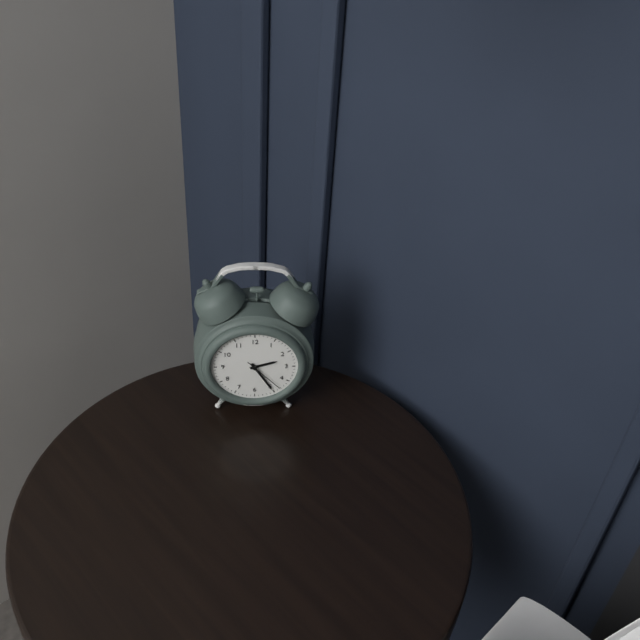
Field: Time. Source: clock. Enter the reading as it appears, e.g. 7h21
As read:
2h25
